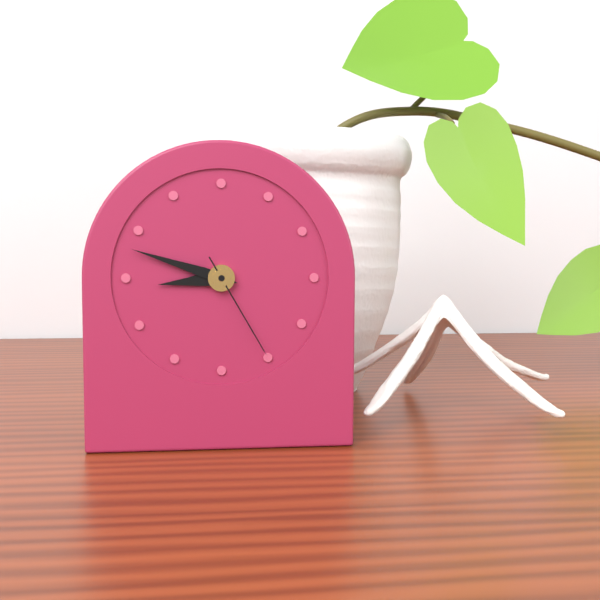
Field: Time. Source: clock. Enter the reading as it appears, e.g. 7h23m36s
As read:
8h48m25s
